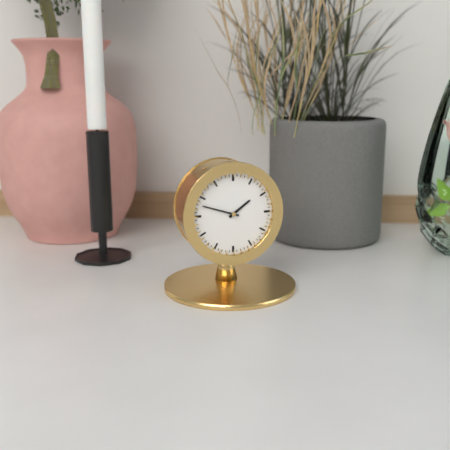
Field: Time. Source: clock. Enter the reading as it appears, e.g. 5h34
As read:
1h48
